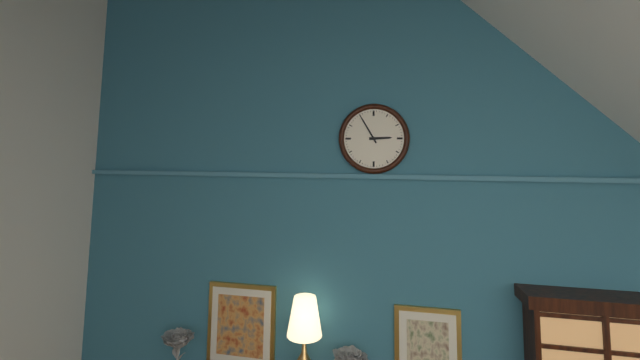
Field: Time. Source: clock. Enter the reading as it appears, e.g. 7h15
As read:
2h55
